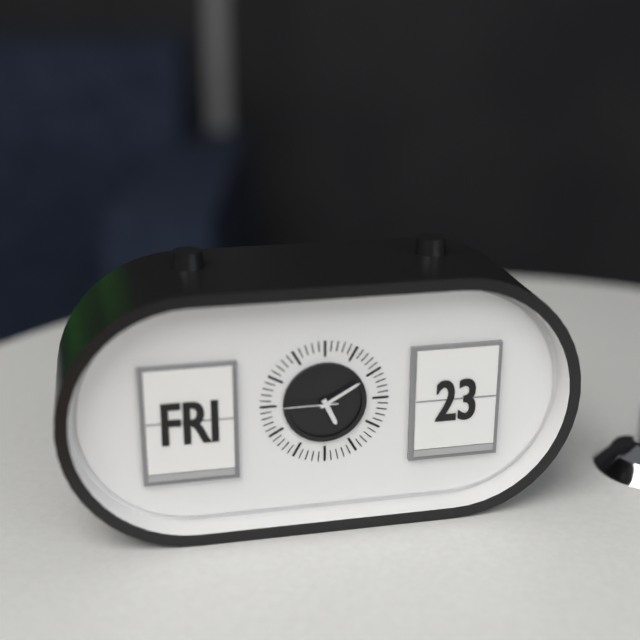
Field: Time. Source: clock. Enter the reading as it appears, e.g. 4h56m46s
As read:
5h10m45s
